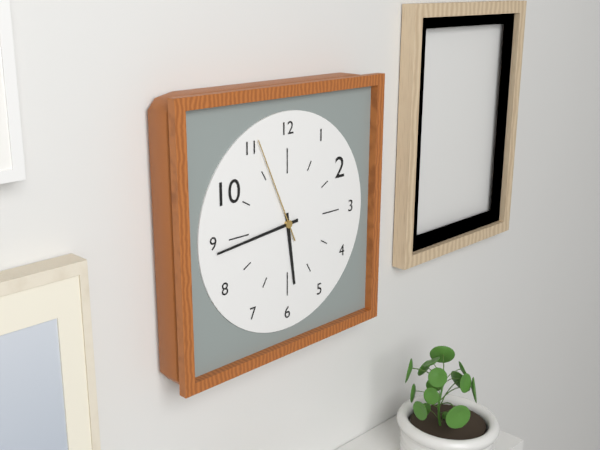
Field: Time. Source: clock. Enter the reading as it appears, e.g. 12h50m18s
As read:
5h44m56s
